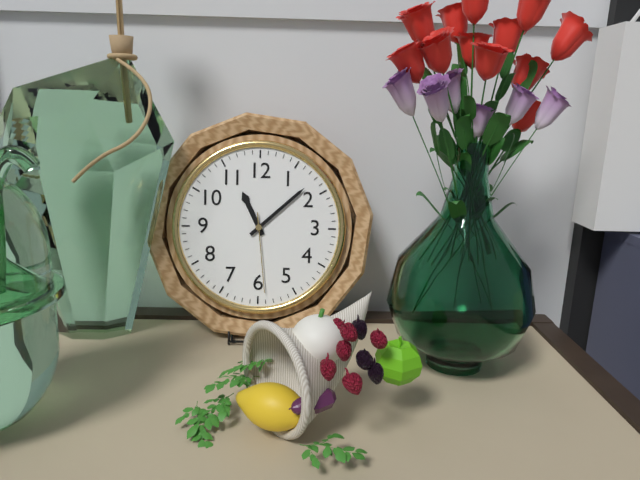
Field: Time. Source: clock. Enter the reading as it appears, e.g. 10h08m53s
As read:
11h08m29s
